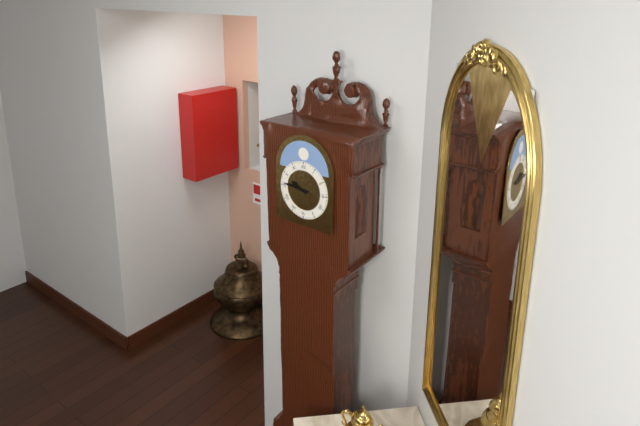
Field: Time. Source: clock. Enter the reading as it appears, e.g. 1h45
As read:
9h46
